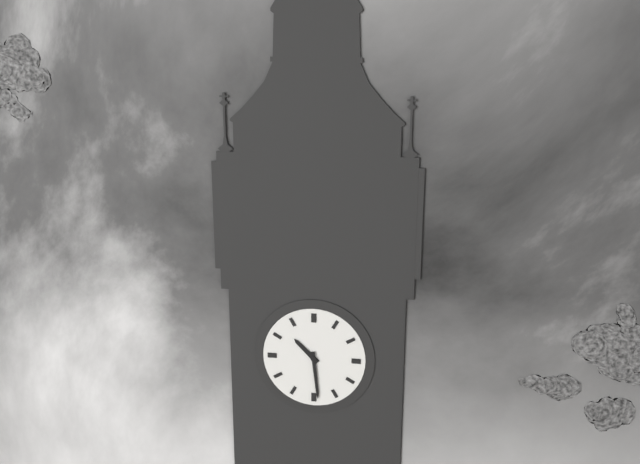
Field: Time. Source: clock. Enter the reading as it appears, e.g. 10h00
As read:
10h29
